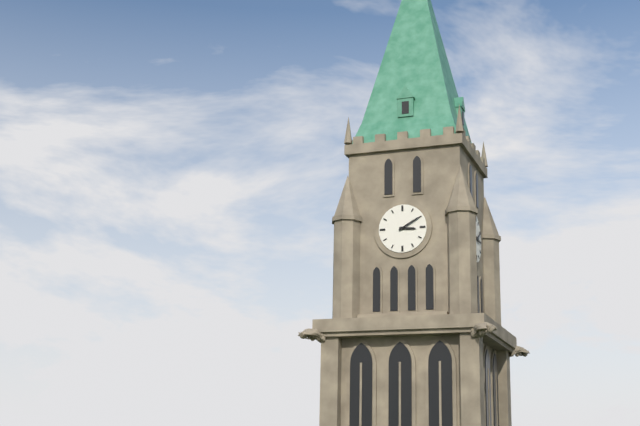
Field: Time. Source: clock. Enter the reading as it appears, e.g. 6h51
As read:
3h10
